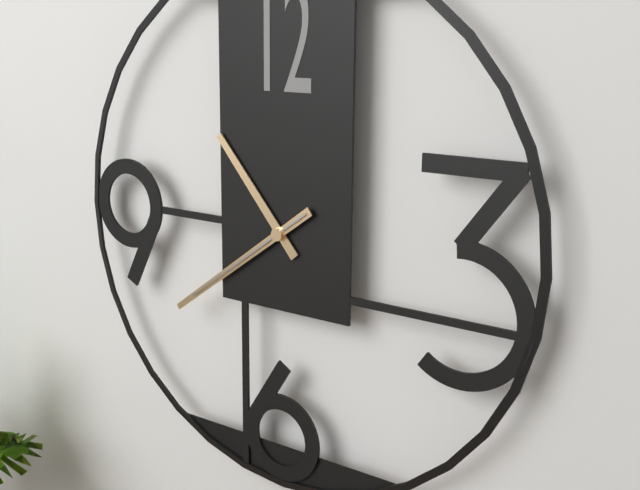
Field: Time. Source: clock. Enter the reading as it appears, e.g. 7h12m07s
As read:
10h39m39s
